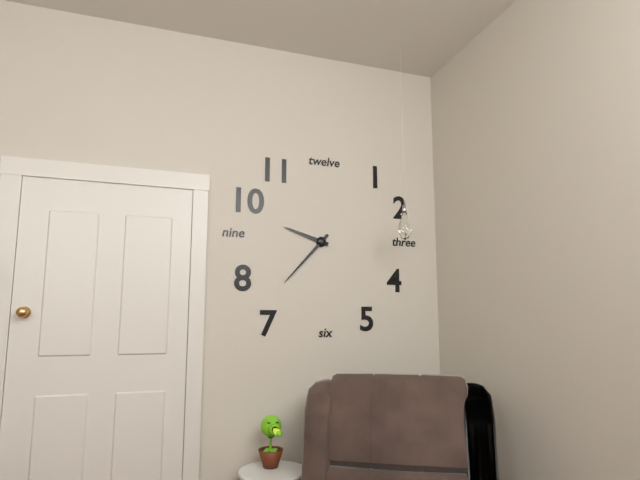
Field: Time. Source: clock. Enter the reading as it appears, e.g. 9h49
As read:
9h37
